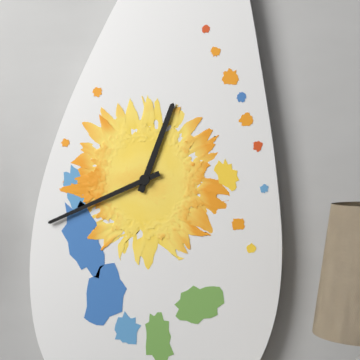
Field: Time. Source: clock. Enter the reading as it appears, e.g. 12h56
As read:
12h41
